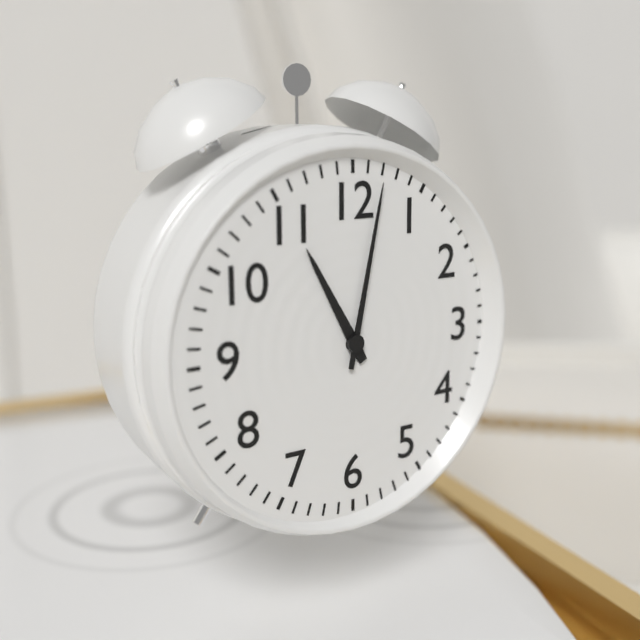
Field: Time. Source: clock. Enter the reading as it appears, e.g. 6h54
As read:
11h02
